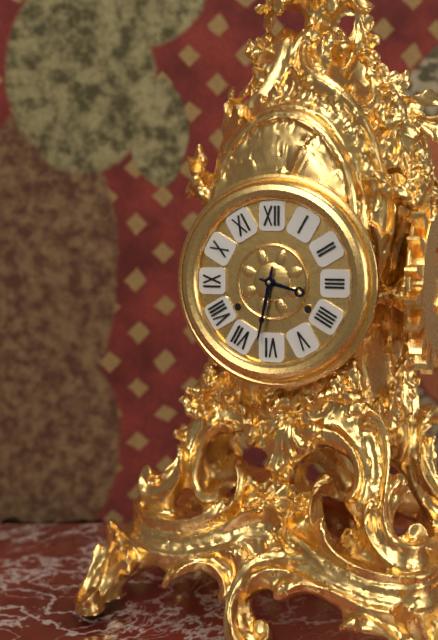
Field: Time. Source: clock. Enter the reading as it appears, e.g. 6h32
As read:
3h32
